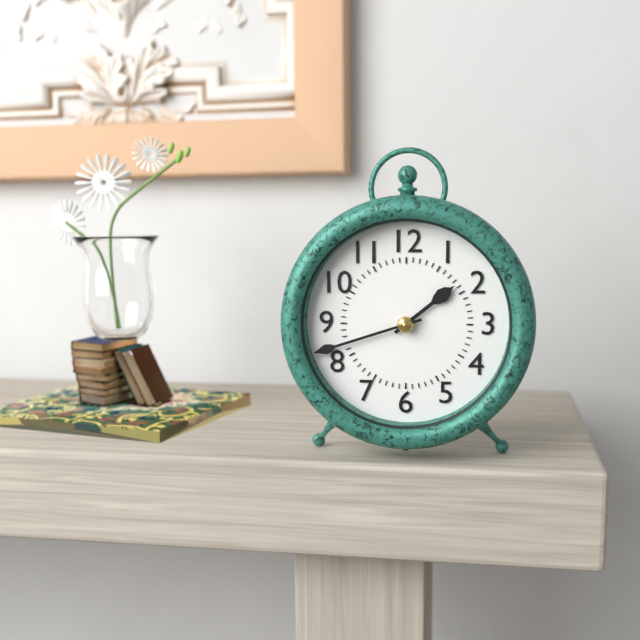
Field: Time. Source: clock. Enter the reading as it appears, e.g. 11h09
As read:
1h42
